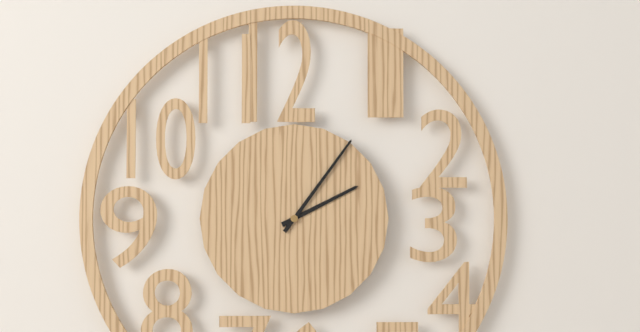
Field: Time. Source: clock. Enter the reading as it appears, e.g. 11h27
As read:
2h06
